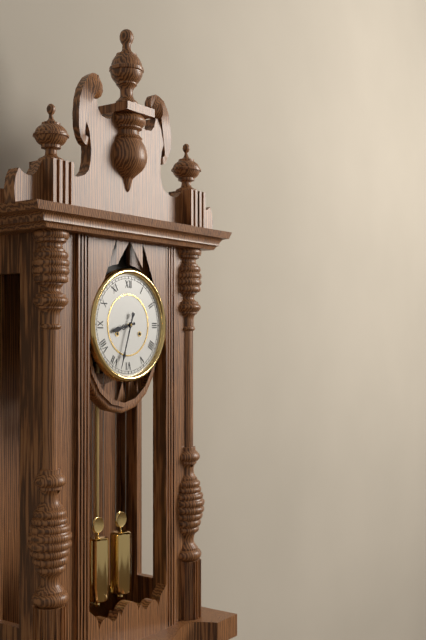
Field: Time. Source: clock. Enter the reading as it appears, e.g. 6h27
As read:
8h33
